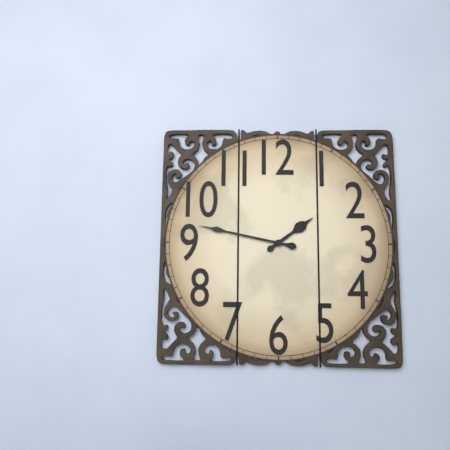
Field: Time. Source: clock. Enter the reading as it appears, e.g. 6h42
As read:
1h47
